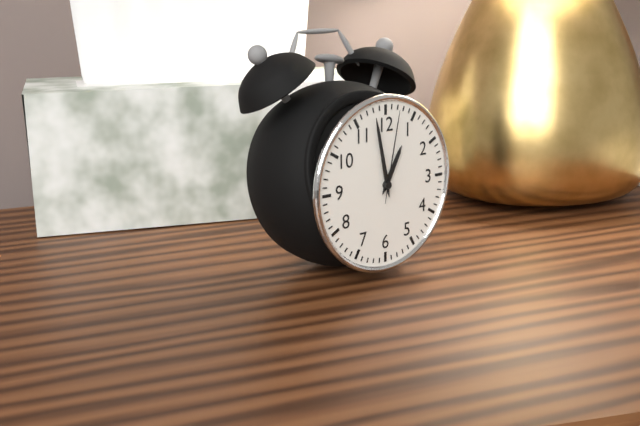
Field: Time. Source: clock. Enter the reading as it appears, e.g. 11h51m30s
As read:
12h58m02s
